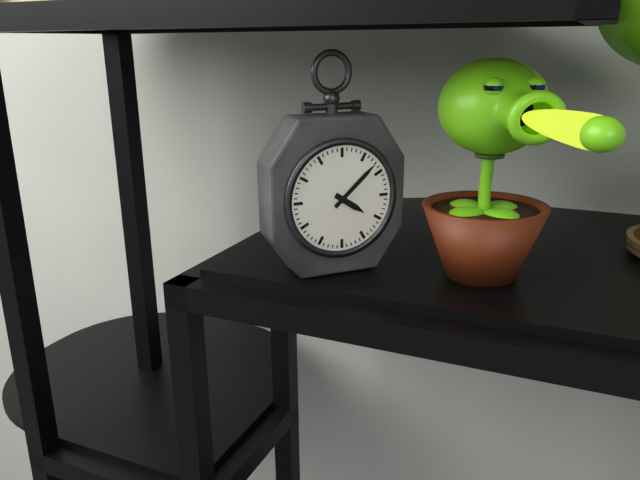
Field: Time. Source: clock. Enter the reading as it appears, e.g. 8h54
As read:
4h08
